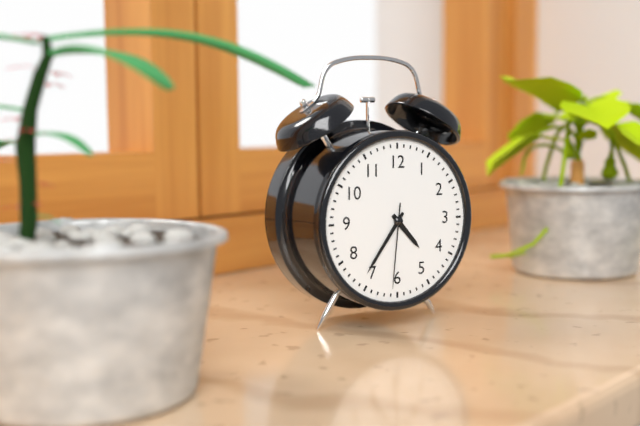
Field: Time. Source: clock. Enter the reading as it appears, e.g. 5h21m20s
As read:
4h36m31s
